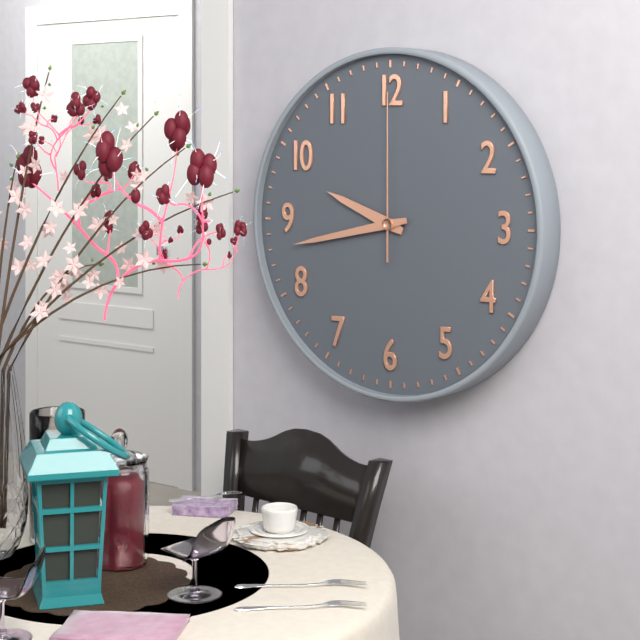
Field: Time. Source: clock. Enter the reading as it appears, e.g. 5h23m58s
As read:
9h43m00s
